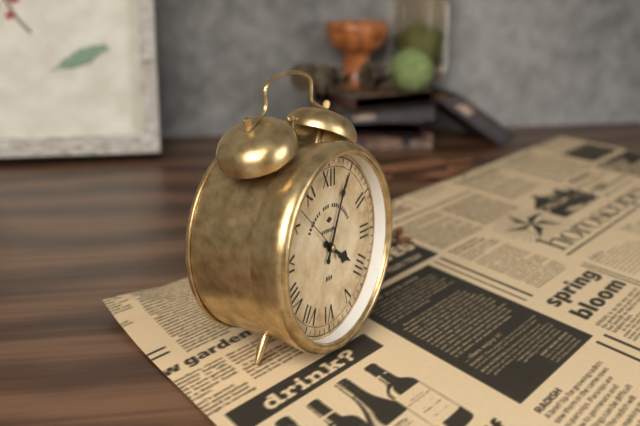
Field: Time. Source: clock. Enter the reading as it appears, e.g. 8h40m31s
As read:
4h04m52s
